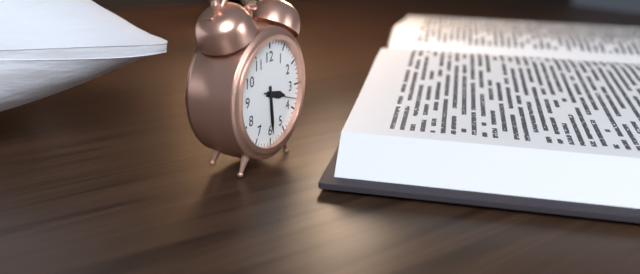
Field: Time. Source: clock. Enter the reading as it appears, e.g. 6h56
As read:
3h29
